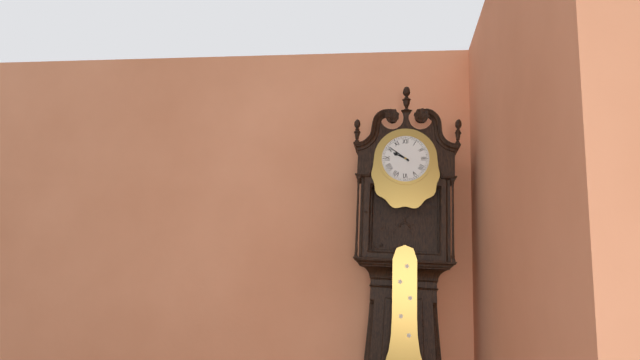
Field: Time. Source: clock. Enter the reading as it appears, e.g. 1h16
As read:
9h51
